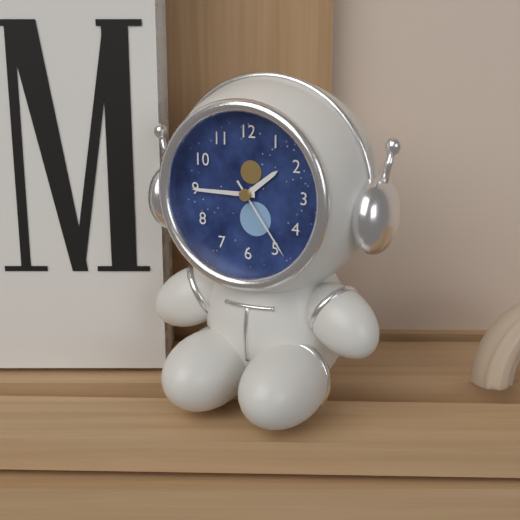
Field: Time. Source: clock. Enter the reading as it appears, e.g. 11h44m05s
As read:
1h45m24s
